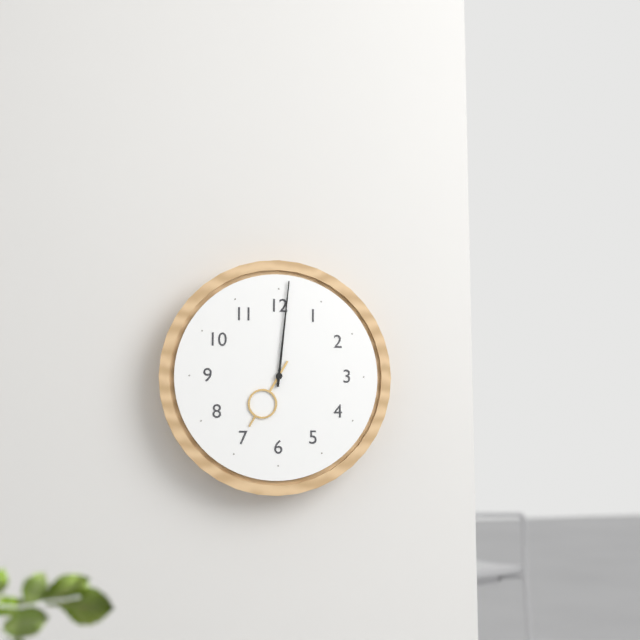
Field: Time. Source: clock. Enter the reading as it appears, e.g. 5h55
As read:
7h01
